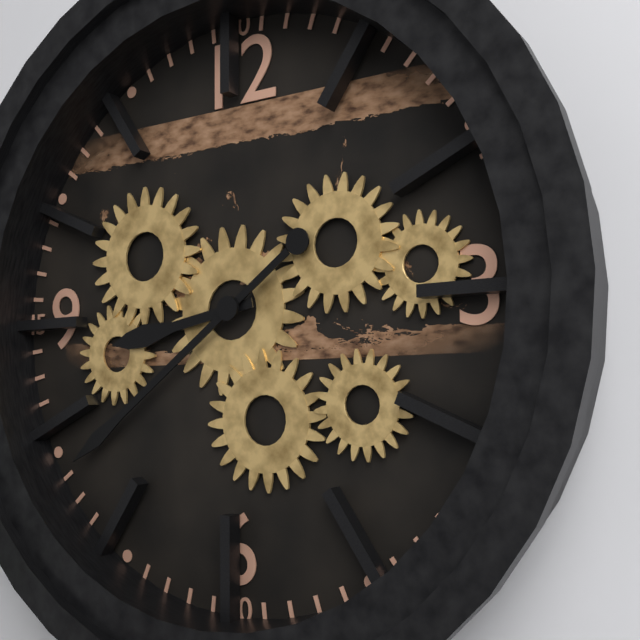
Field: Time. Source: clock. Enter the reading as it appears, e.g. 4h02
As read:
8h39
